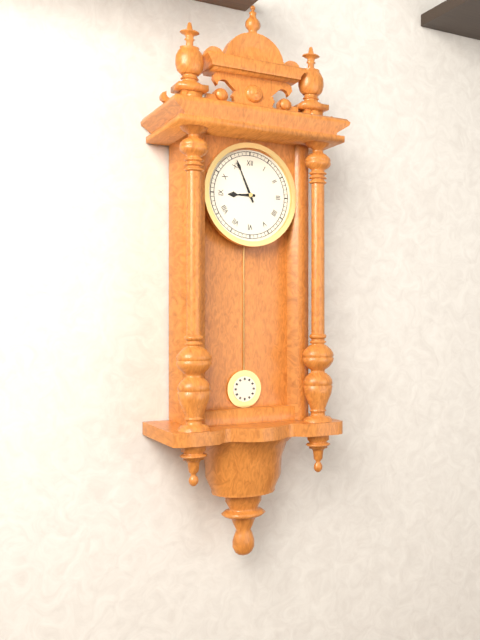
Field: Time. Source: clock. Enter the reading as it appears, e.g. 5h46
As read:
8h56
